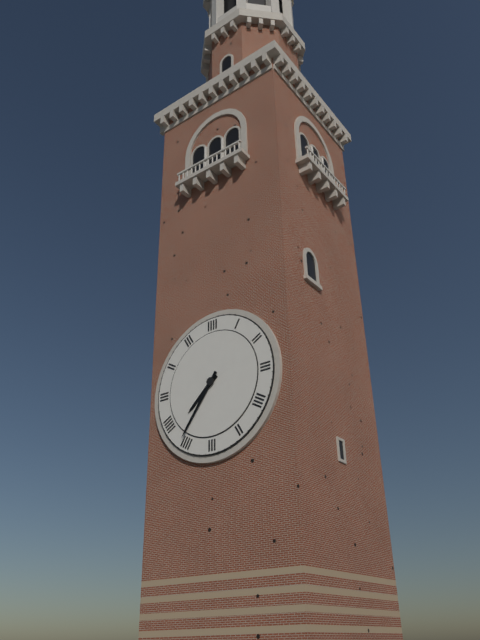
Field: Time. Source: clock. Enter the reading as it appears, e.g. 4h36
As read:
7h36
